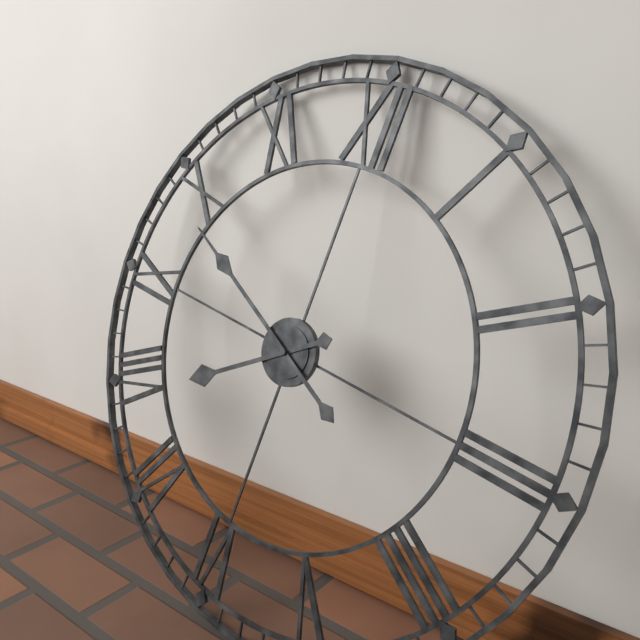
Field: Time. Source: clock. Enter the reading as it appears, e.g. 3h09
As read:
7h49
